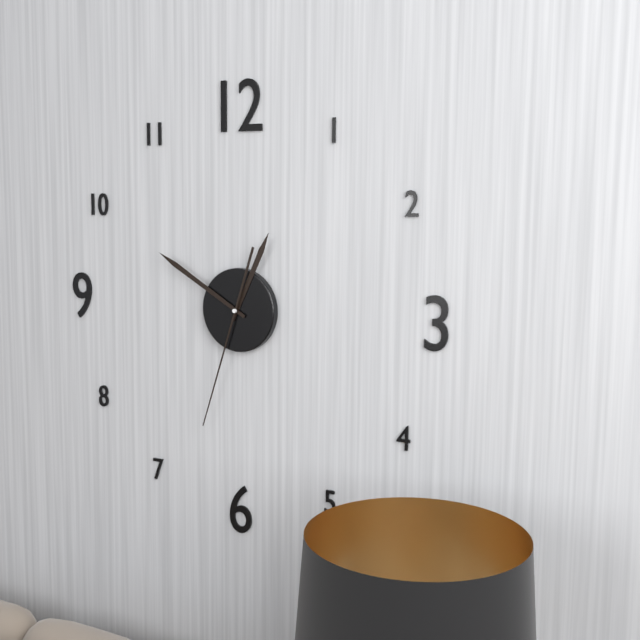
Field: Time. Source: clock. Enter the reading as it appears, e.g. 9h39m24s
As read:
12h50m33s
